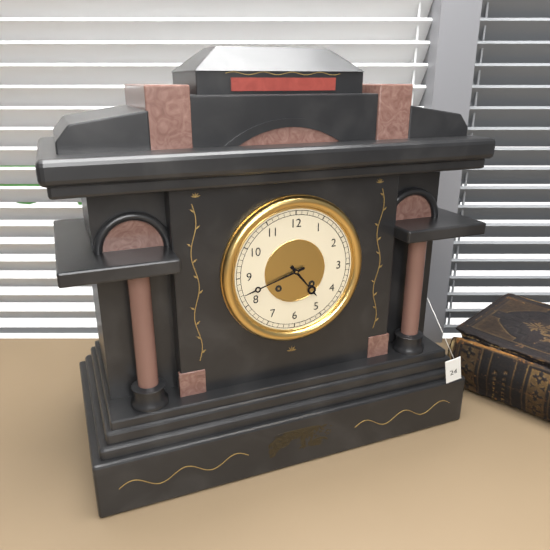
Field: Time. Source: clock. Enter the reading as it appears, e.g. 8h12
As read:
4h42
